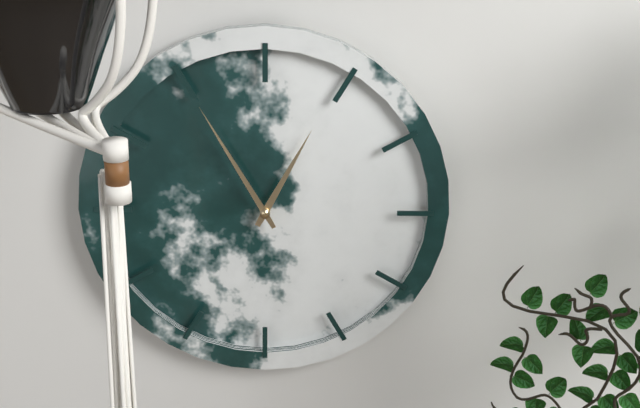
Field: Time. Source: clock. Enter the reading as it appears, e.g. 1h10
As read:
12h55
